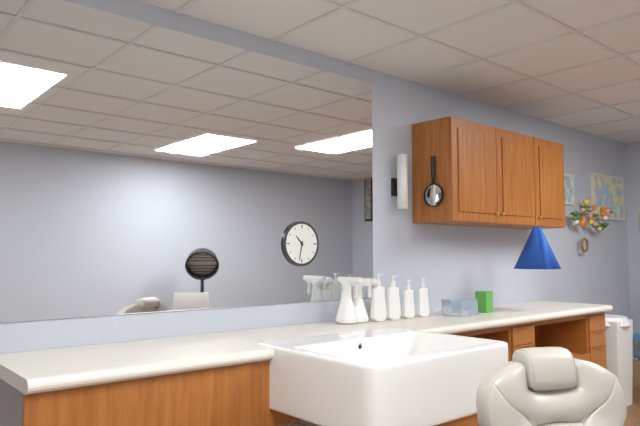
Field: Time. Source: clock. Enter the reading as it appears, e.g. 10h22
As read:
10h32
